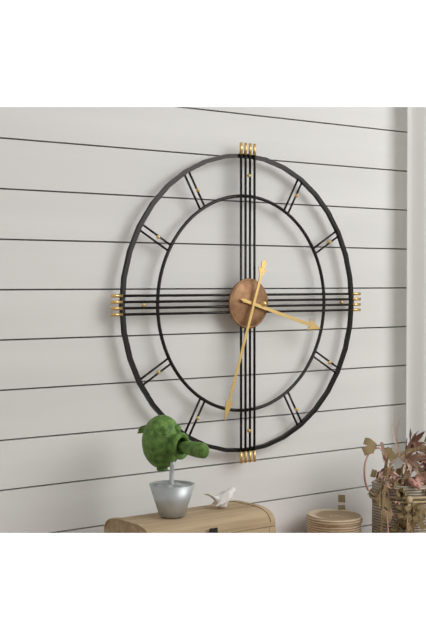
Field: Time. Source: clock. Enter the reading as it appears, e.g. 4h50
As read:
3h33
